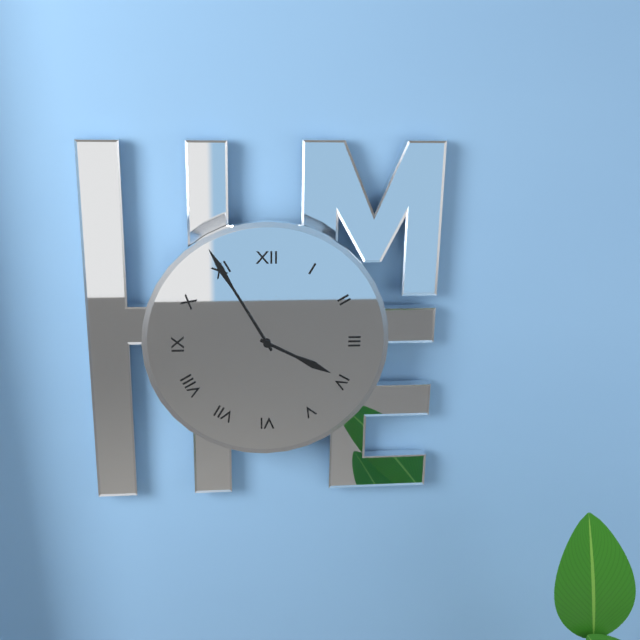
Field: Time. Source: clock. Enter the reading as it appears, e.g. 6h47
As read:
3h55
